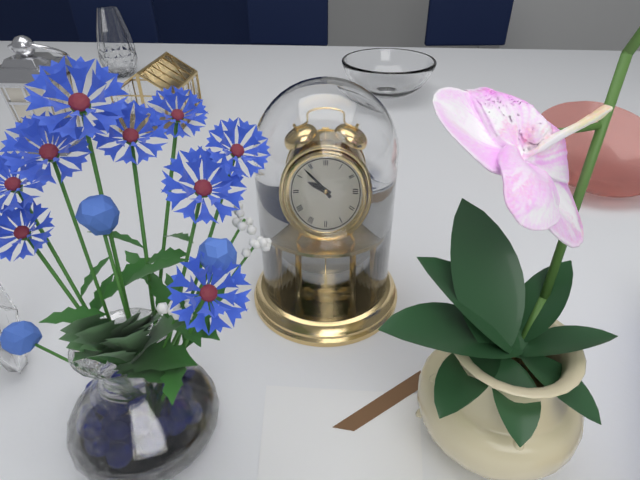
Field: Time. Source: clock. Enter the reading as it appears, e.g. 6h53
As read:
9h53
